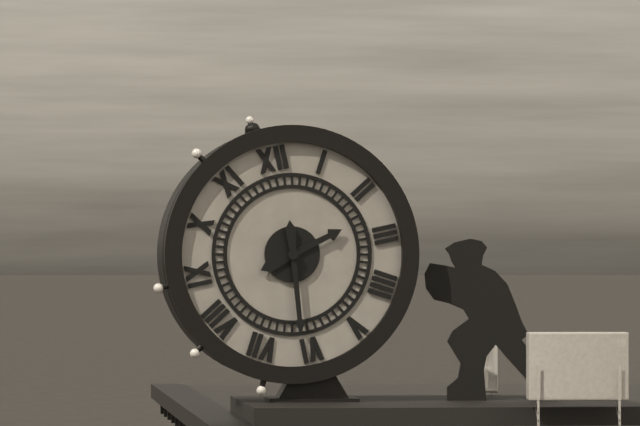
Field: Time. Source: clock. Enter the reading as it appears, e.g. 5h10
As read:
2h31
